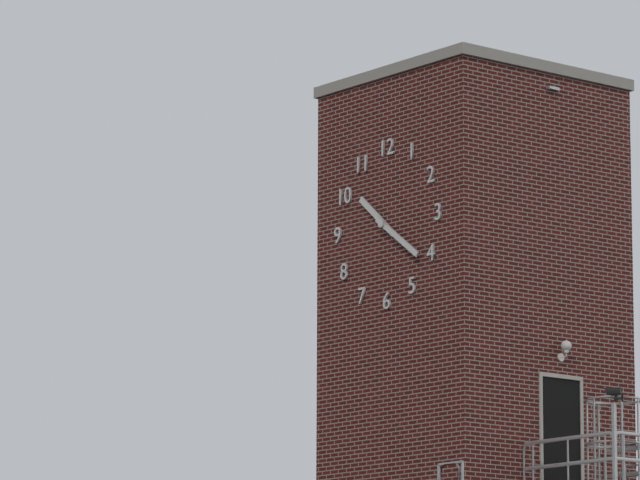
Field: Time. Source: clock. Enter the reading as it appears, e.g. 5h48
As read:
10h21
